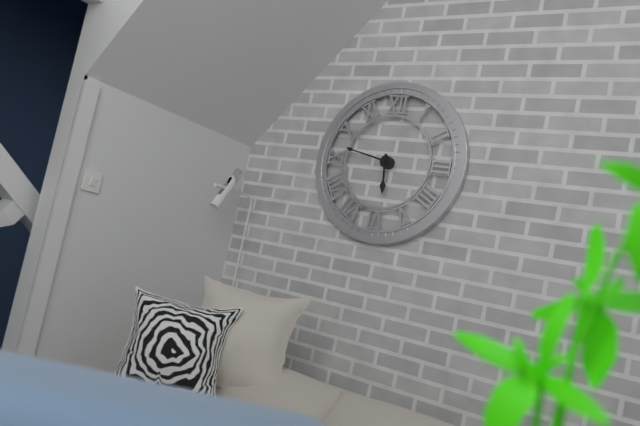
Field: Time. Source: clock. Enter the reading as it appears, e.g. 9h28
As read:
5h47
